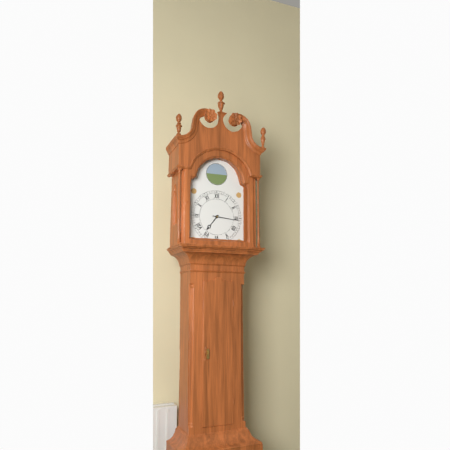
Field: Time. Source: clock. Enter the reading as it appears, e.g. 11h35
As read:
7h16
